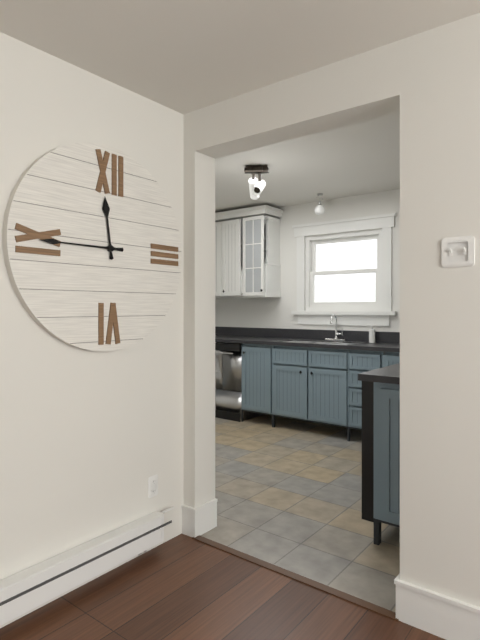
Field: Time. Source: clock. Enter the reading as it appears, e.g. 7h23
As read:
11h45
